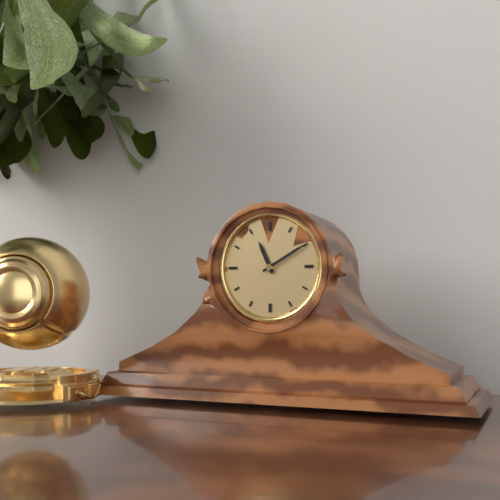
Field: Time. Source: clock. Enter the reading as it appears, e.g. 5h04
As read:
11h10
